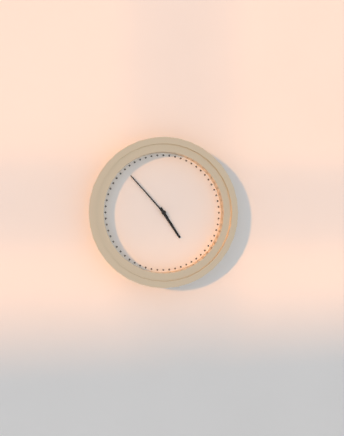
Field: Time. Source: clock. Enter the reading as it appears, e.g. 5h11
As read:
4h53
